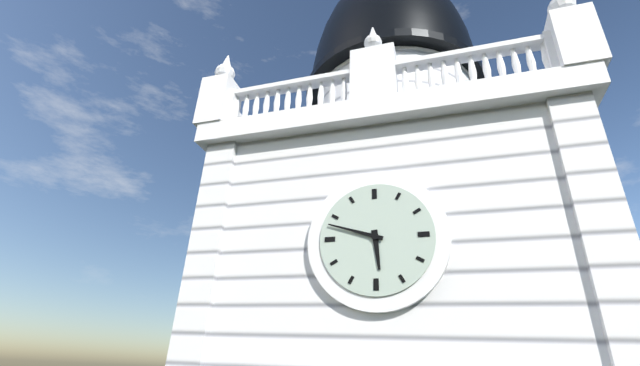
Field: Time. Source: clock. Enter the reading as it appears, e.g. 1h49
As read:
5h48
